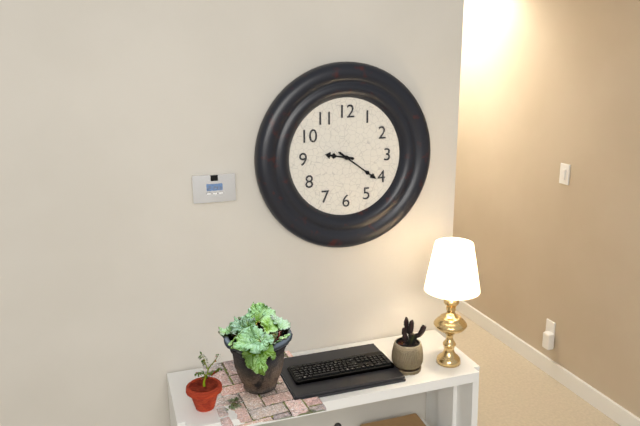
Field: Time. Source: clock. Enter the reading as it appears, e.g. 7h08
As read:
9h21
